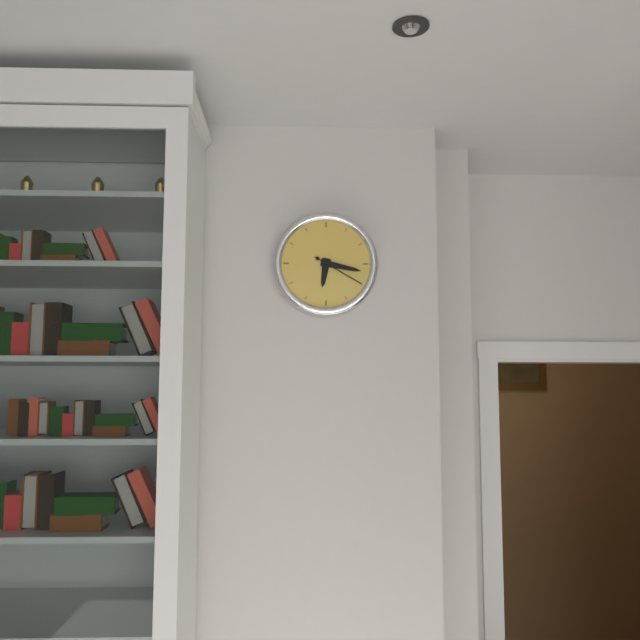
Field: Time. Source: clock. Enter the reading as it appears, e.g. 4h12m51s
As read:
6h17m20s
